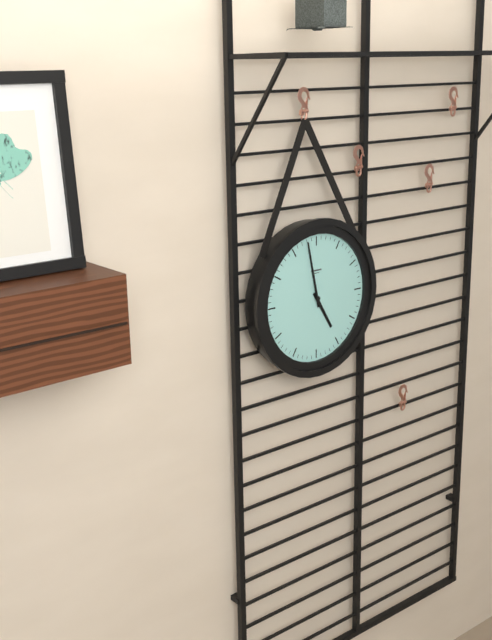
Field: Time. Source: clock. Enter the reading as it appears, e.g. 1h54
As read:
4h58
